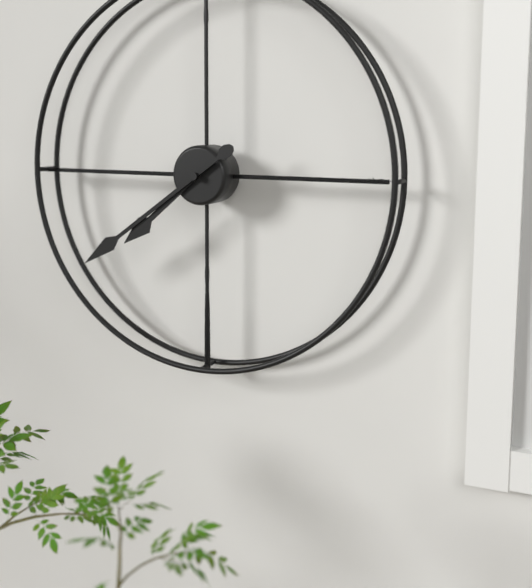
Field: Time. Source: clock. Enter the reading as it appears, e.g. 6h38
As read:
7h39
